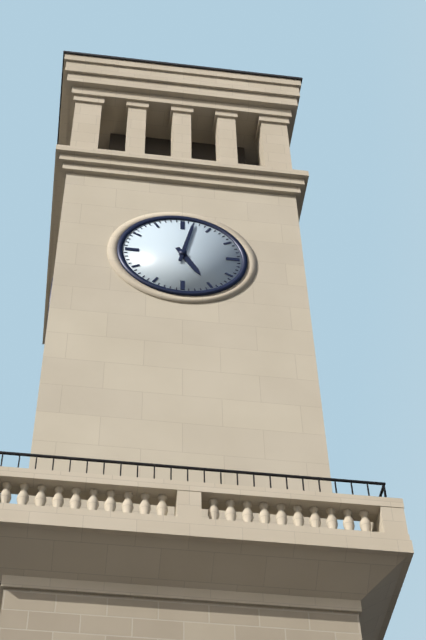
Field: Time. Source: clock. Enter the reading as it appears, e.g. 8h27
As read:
5h02
